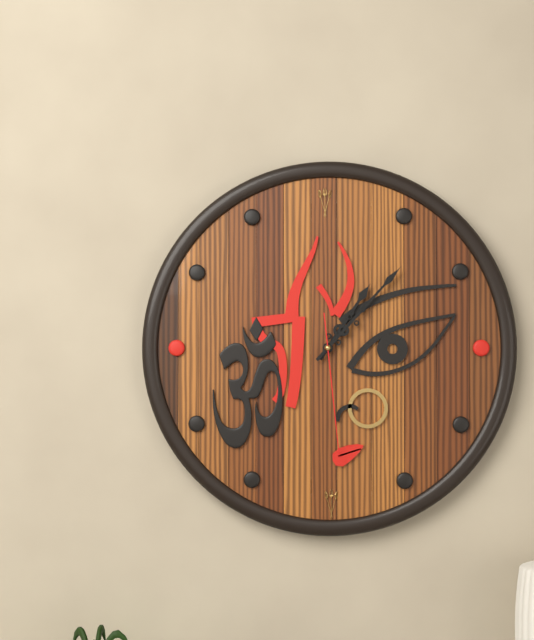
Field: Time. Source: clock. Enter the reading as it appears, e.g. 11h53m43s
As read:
1h07m29s
